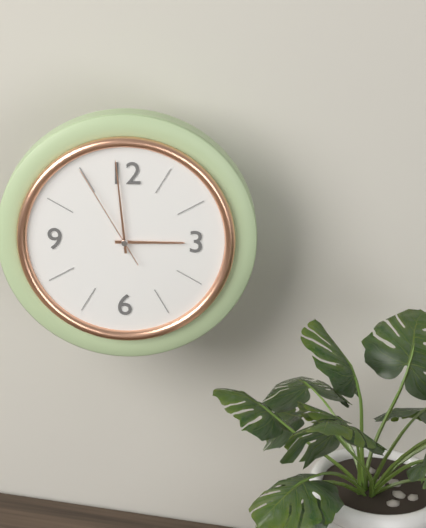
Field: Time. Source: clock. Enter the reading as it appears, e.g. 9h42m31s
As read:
2h59m55s
